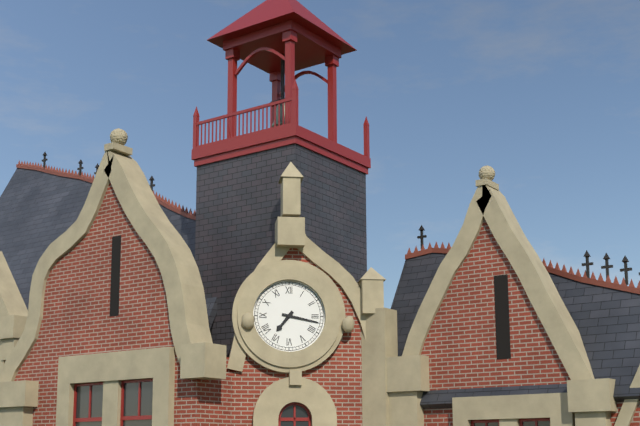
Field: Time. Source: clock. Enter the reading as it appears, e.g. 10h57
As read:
7h17
